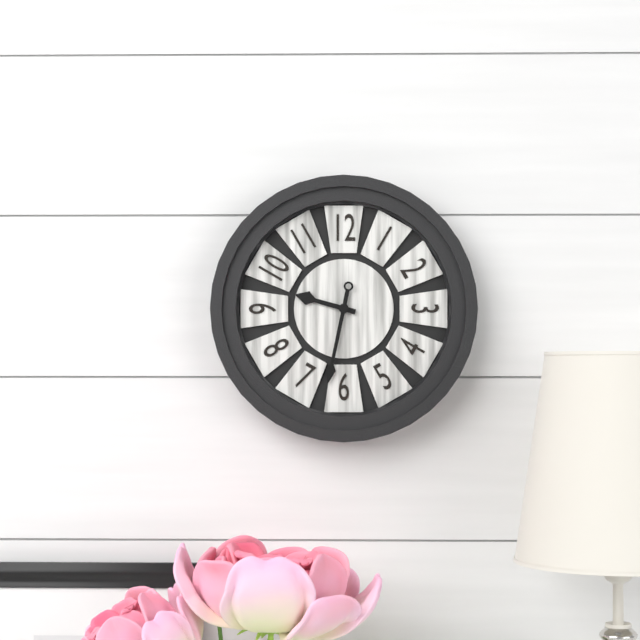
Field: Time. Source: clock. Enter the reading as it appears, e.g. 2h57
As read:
9h32
